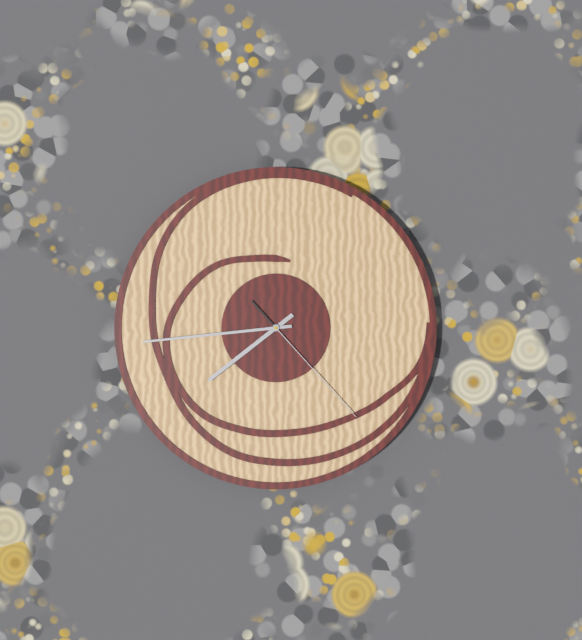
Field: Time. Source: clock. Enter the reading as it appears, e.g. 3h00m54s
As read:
7h44m23s
